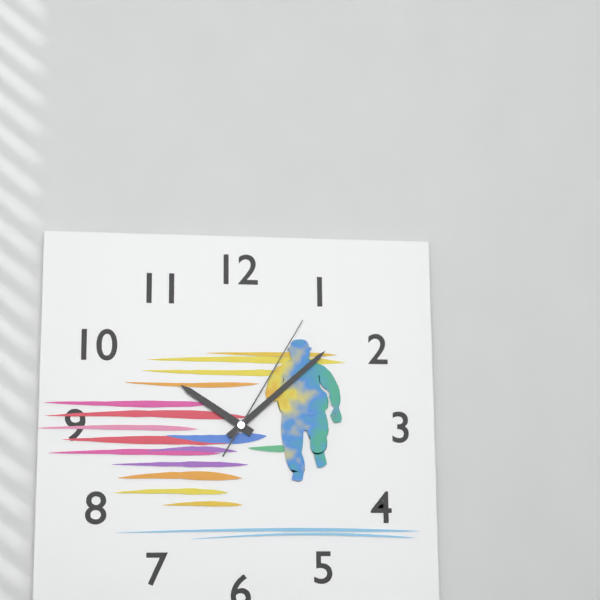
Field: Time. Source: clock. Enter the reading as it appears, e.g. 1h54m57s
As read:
10h08m05s
